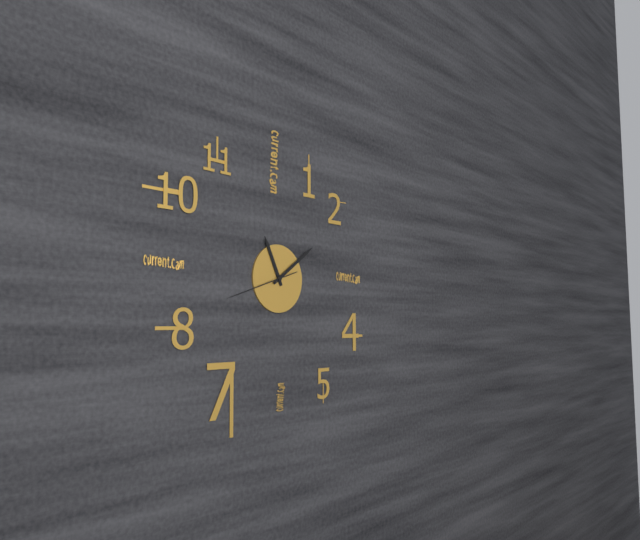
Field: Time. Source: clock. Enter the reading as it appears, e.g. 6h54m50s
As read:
11h09m42s
